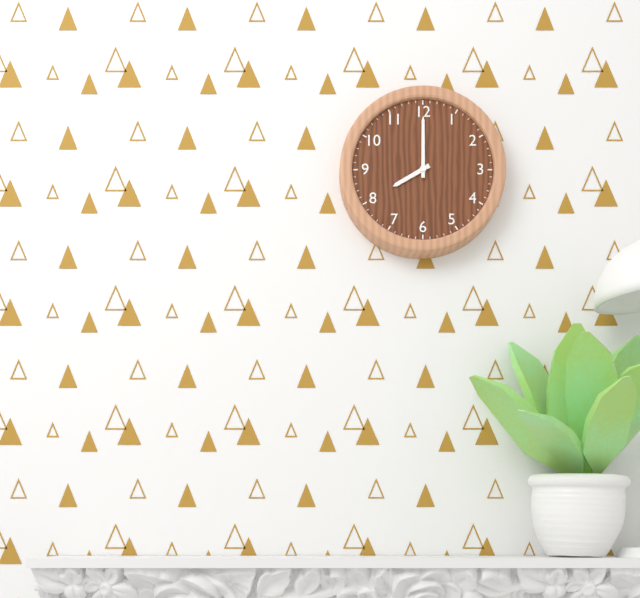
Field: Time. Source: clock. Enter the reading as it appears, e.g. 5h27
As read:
8h00
